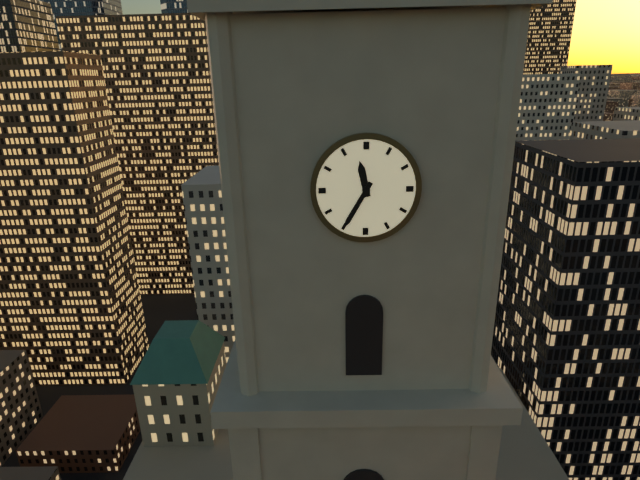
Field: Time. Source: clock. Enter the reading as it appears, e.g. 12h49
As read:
11h35
